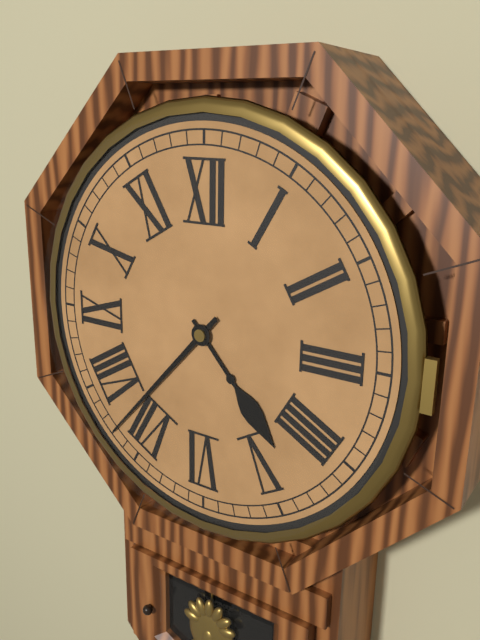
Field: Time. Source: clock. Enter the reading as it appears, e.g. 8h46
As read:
4h37
